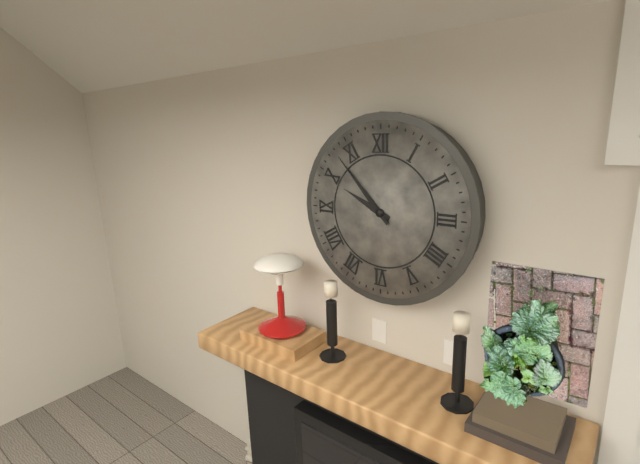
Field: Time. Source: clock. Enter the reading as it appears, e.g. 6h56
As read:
9h53
